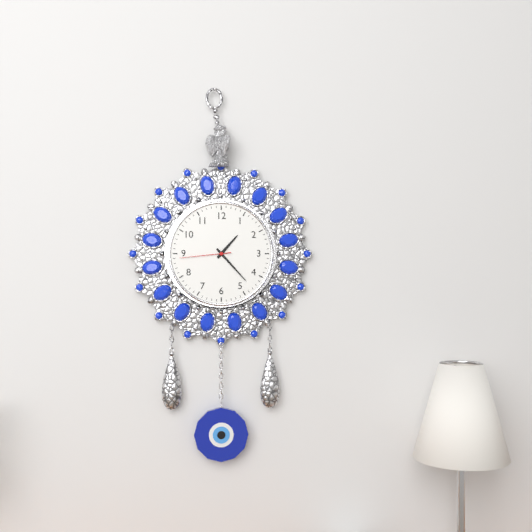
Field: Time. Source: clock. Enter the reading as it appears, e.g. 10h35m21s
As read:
1h23m44s
